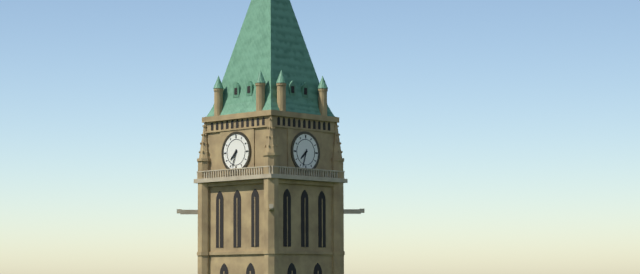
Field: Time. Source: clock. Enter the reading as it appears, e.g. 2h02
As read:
7h33
